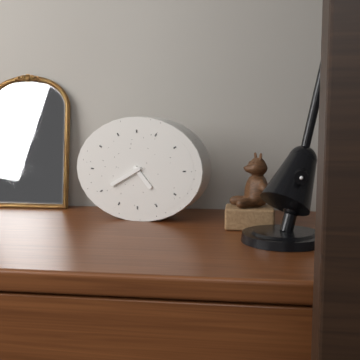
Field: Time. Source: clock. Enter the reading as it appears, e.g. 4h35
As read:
4h40
